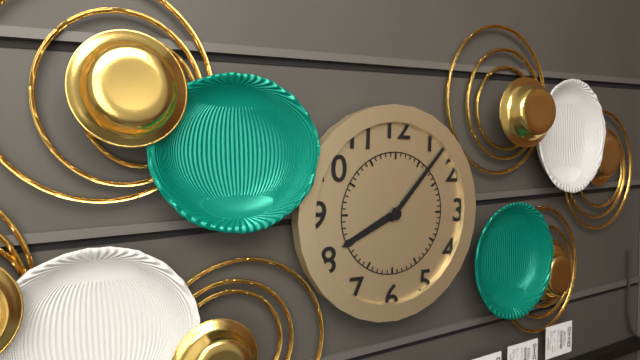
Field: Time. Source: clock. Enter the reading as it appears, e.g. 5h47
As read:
8h07
